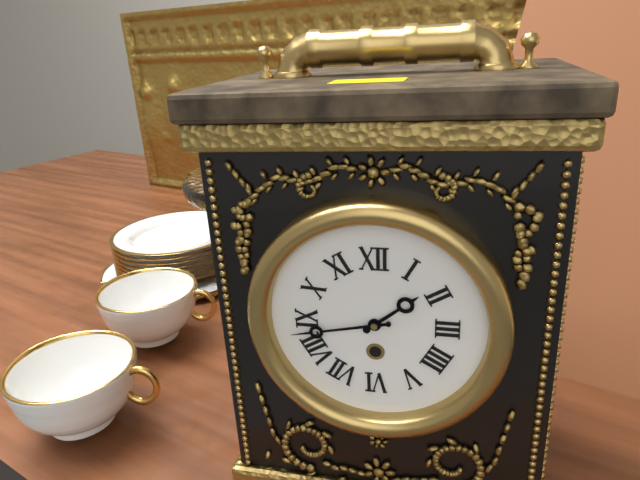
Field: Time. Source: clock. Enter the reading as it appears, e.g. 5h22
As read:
1h43
